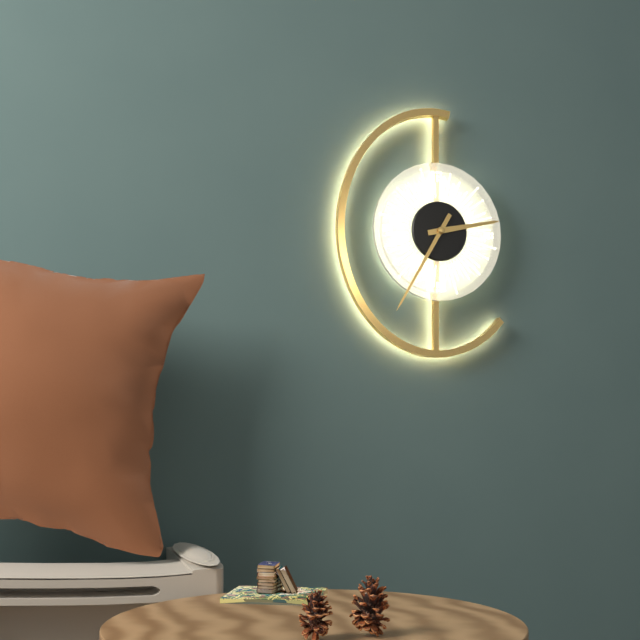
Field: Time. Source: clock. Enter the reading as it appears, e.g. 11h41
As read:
2h35
